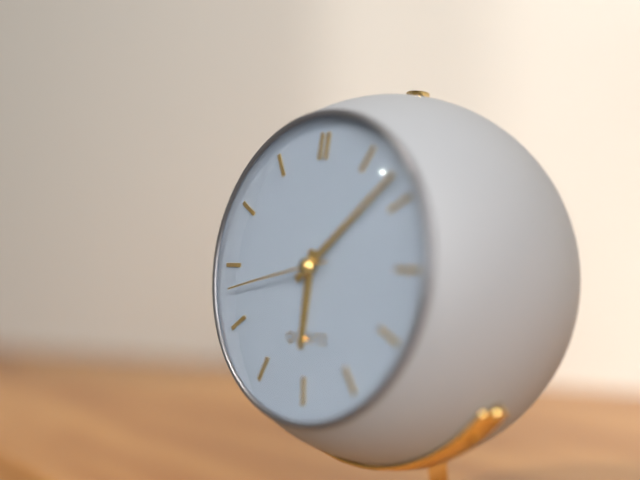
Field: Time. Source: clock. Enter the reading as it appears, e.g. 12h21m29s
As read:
6h08m43s
